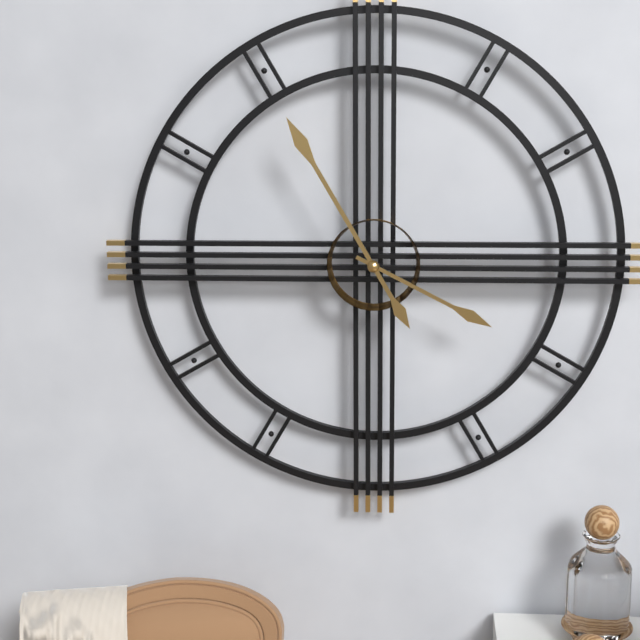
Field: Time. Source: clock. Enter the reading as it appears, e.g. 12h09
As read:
3h55
